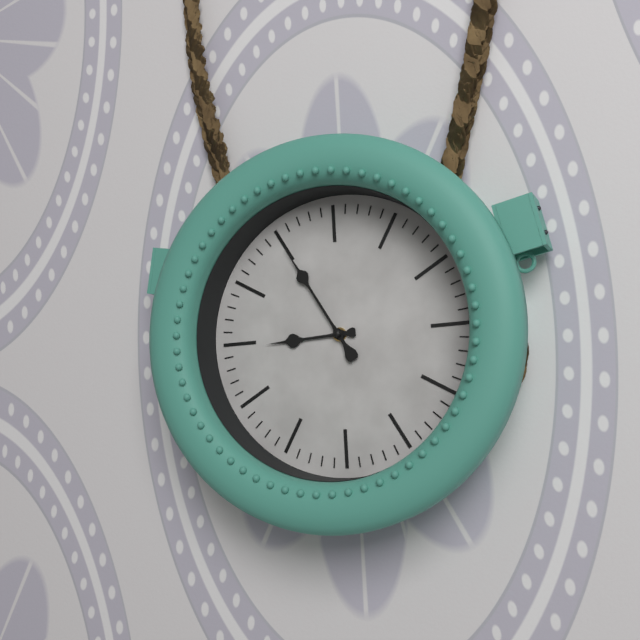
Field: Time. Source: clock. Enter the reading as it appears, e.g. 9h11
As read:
8h55
